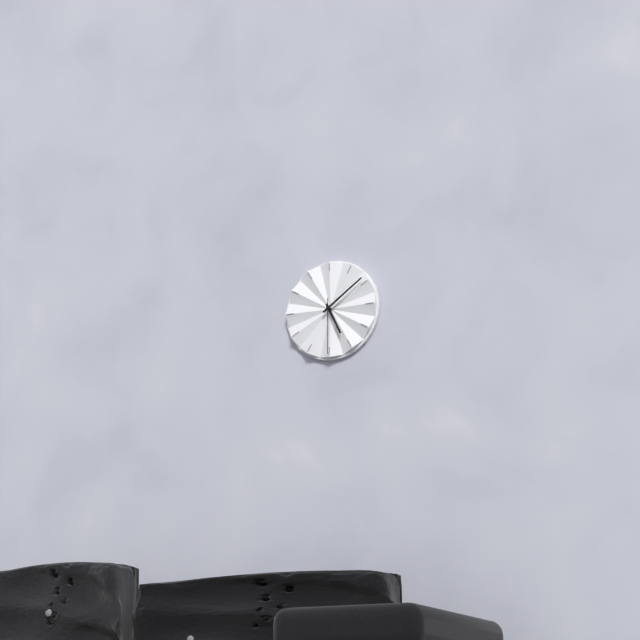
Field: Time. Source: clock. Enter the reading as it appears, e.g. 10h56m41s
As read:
5h09m30s
